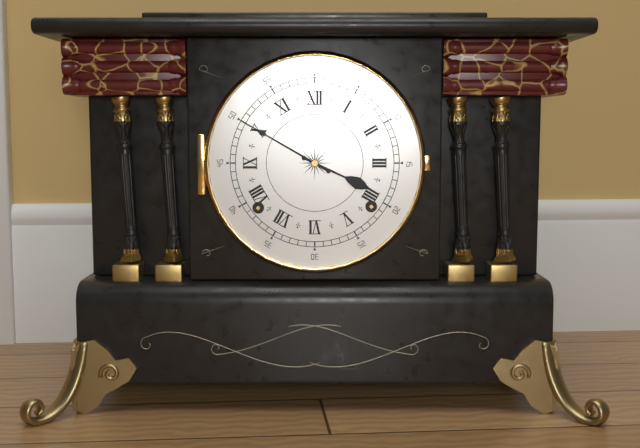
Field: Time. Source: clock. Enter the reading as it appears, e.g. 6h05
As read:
3h50
